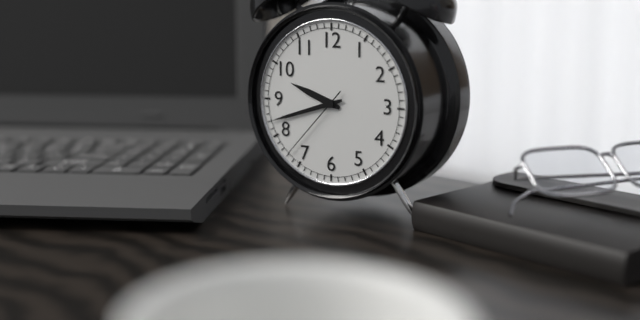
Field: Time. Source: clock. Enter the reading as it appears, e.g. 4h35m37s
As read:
9h42m37s
